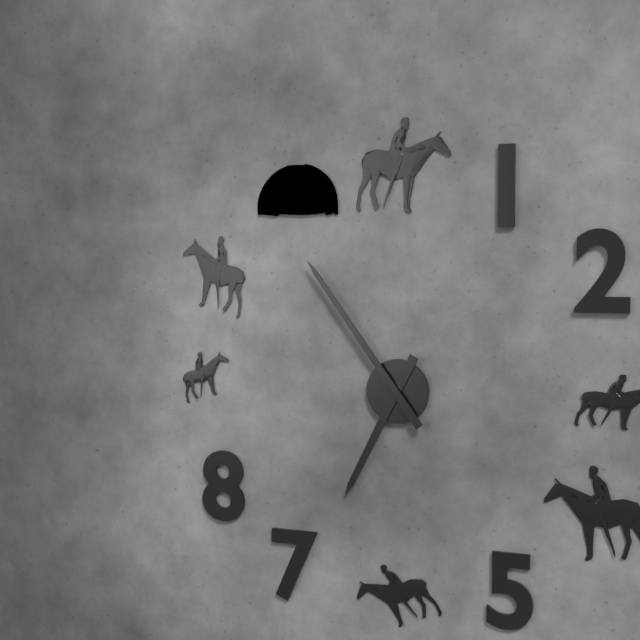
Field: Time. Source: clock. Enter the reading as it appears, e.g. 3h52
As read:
6h54
